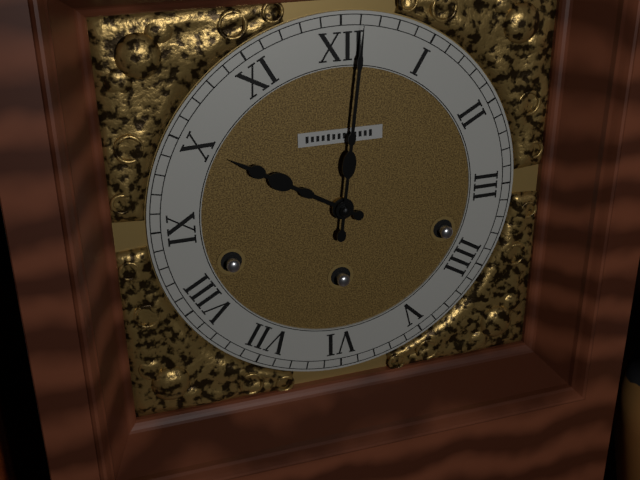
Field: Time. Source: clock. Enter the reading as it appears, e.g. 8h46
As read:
10h01
